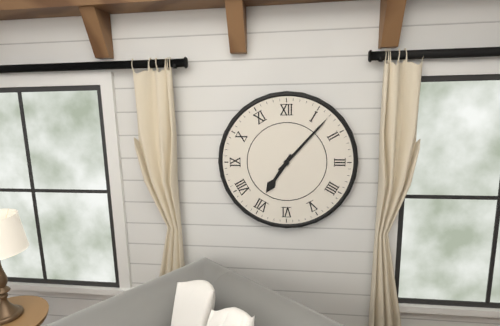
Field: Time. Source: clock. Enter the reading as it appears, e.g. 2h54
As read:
7h07
